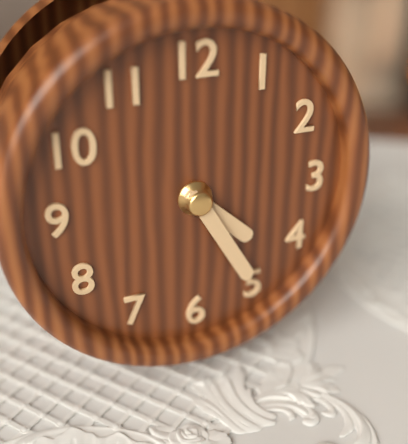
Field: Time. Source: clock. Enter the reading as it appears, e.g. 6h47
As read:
4h25
